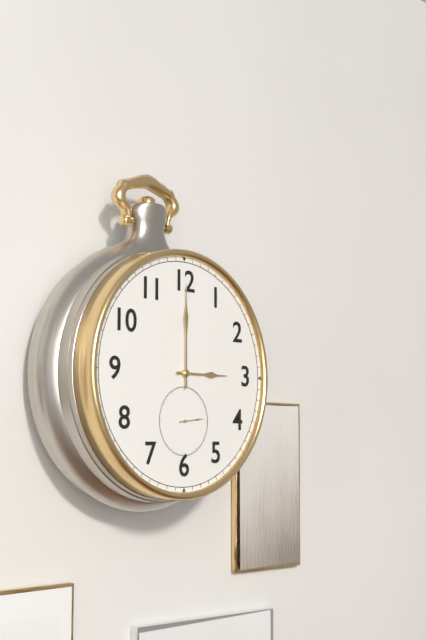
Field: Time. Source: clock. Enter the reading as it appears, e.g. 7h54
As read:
3h00
